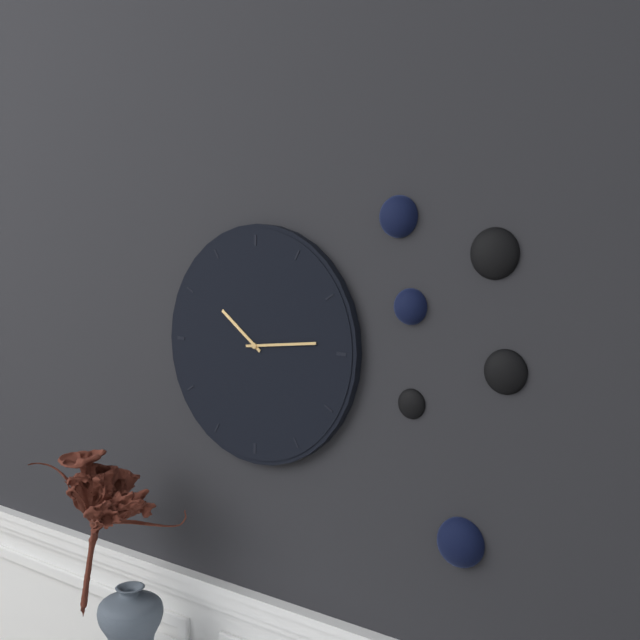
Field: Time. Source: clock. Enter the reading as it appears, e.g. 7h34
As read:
10h14
